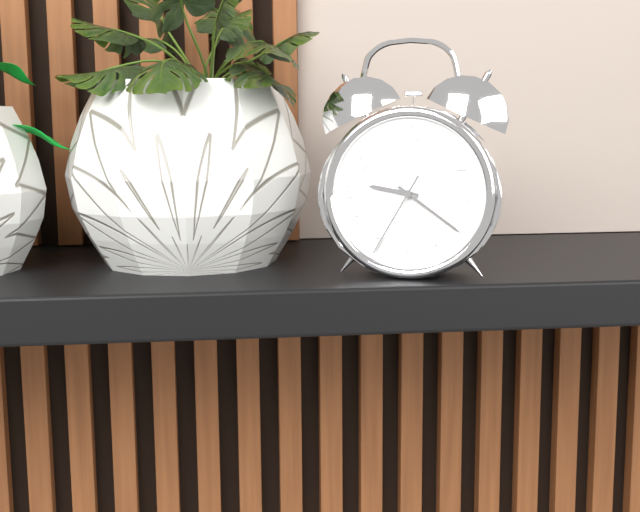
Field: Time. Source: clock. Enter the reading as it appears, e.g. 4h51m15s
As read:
9h21m35s
